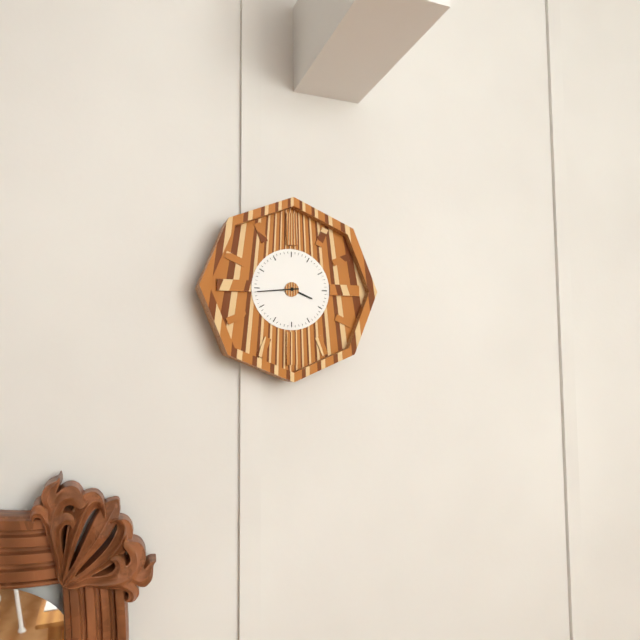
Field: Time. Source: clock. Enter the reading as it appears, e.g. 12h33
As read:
3h44
